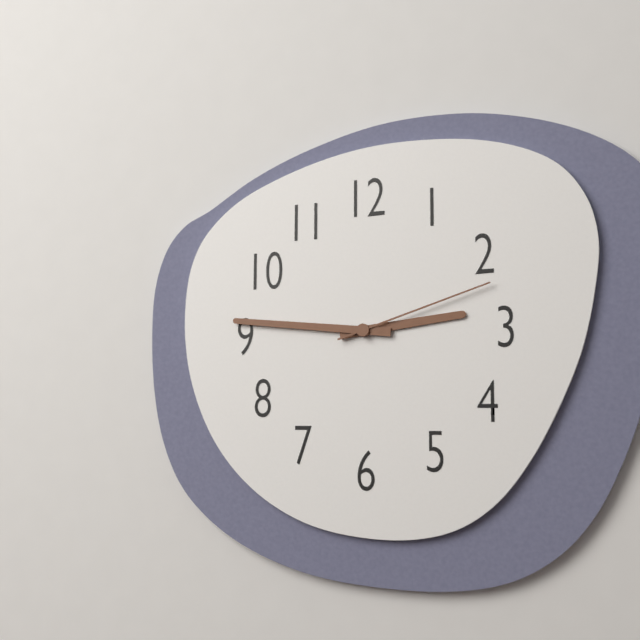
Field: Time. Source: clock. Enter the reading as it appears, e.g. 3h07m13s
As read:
2h46m12s
